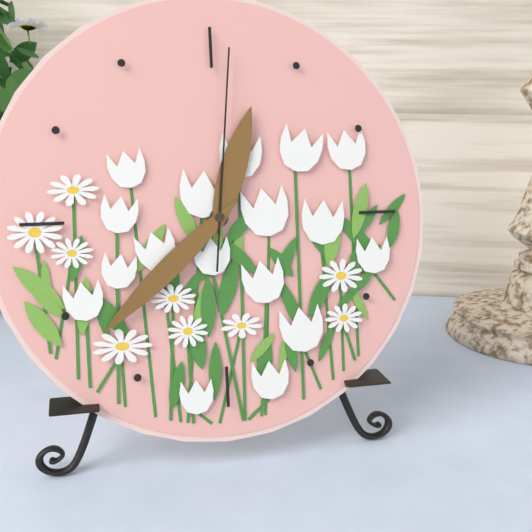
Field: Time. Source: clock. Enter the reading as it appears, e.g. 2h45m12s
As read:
12h38m01s
